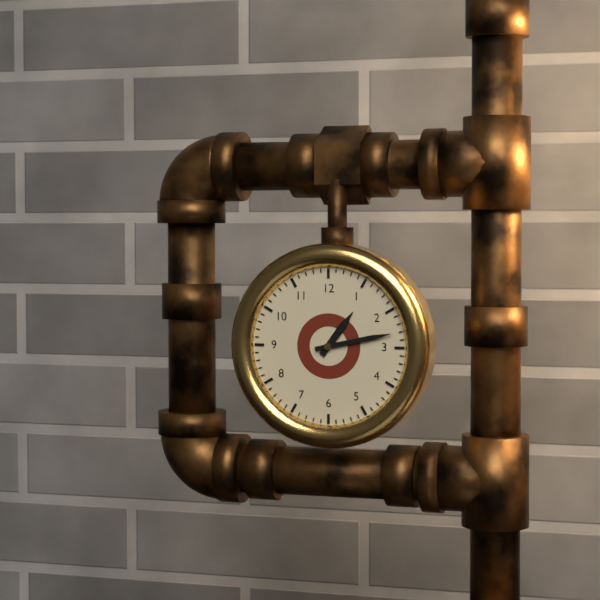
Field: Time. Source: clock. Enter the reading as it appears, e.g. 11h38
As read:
1h13
